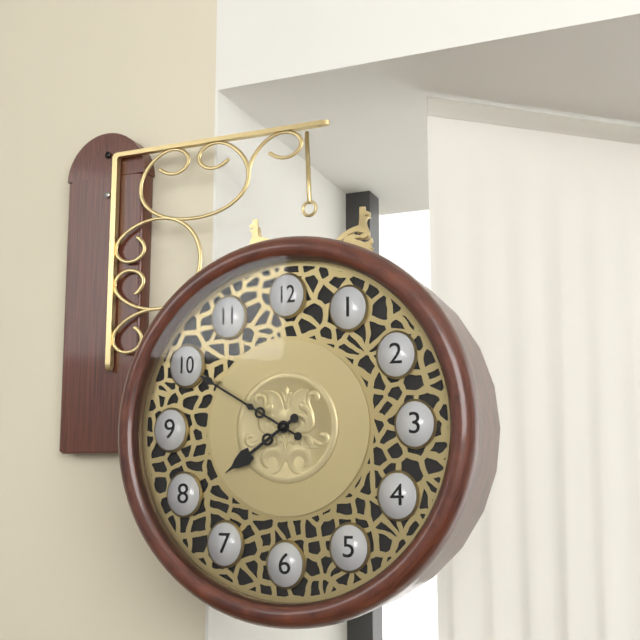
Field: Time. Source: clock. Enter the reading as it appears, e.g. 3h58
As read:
7h50
